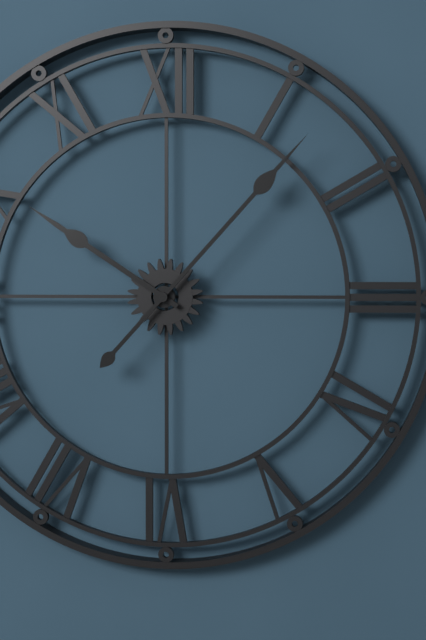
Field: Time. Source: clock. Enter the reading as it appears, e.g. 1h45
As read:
10h07
